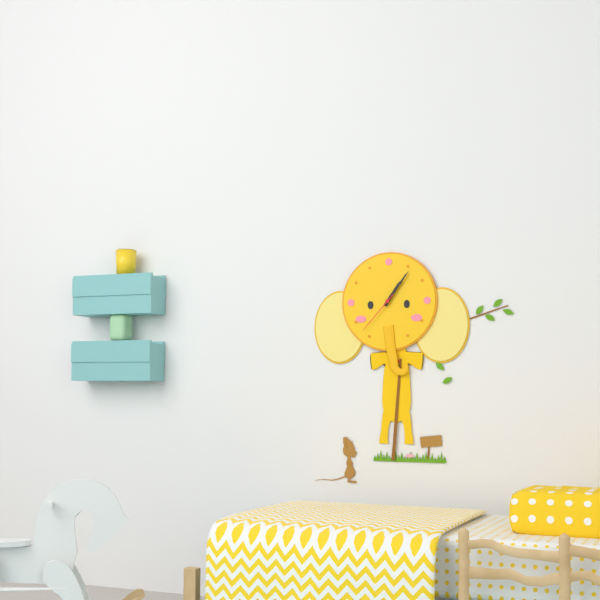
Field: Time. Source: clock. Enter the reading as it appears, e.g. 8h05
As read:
1h06
